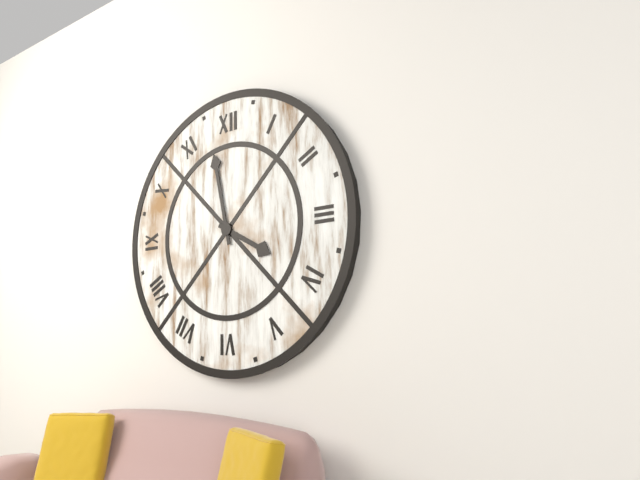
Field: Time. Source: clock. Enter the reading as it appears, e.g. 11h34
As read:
3h58
